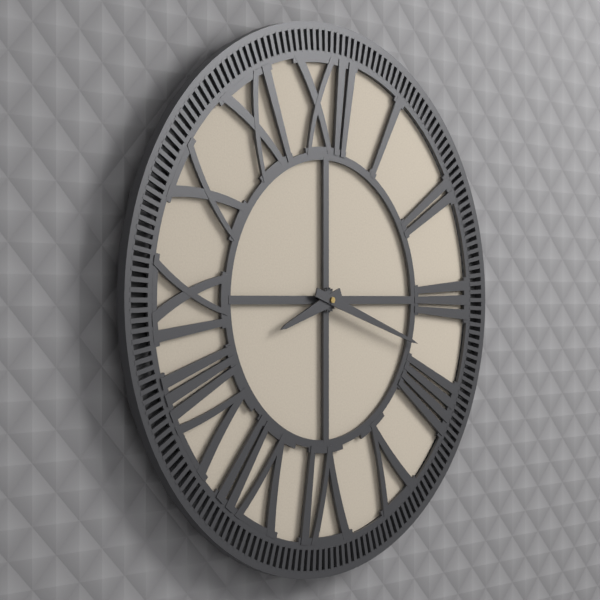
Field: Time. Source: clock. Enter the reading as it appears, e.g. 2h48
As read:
8h18
